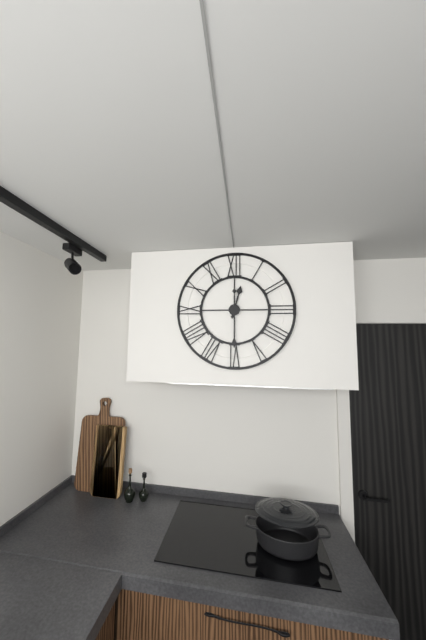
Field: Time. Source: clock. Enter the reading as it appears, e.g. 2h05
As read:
12h30
